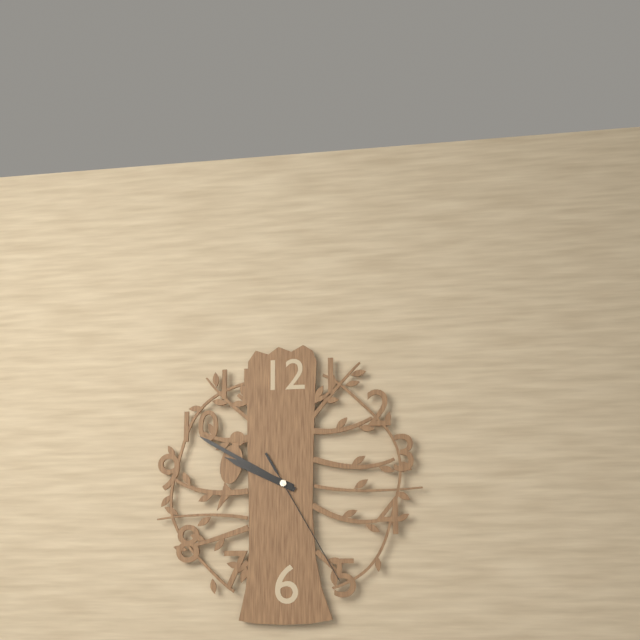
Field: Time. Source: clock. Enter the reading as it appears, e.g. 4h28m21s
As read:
9h50m25s
